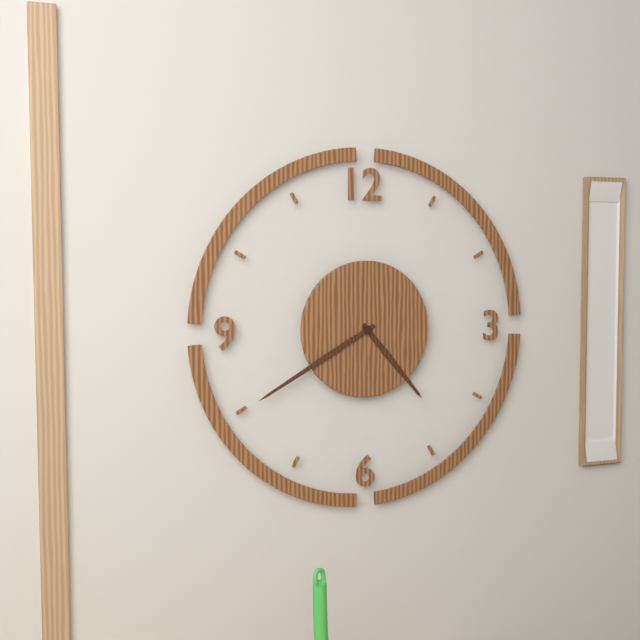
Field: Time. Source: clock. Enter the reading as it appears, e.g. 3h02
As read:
4h40
